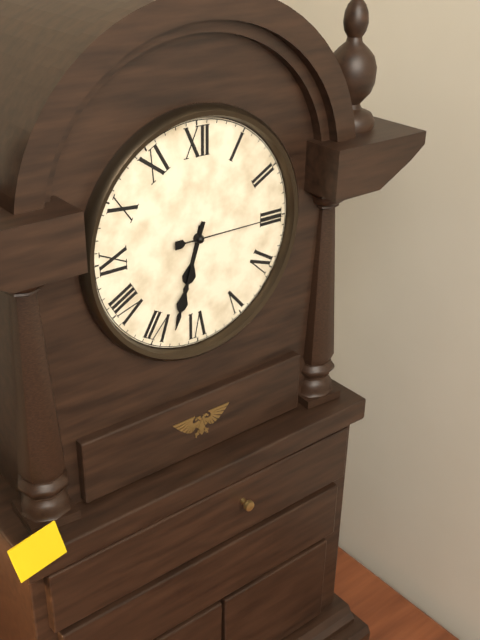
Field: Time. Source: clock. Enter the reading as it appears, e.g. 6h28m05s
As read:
6h33m15s
